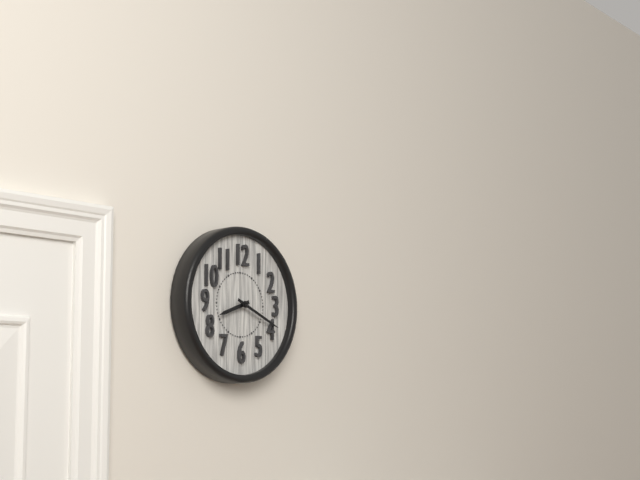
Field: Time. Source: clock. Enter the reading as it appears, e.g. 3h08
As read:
8h19
